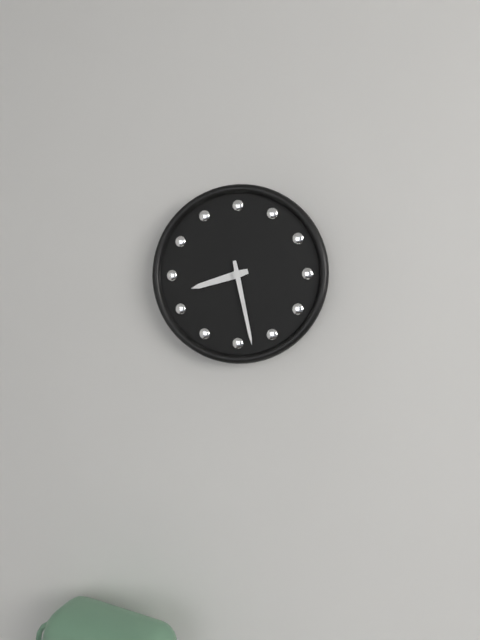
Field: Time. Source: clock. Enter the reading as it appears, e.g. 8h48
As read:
8h28
